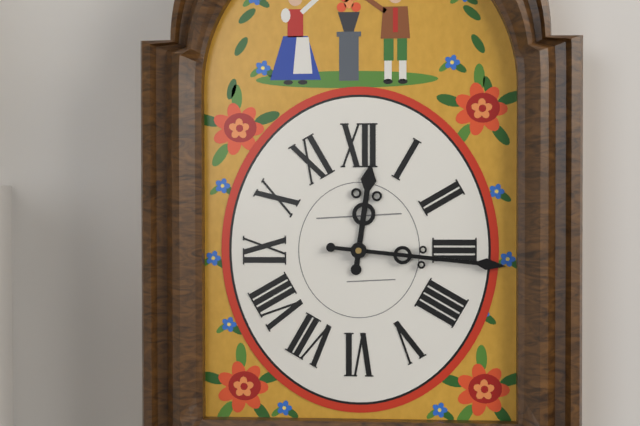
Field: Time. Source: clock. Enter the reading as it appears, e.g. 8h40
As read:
12h16
